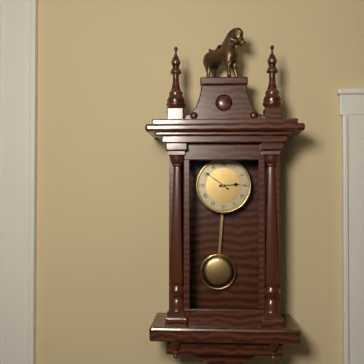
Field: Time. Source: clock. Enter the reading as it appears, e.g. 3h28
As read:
2h51
